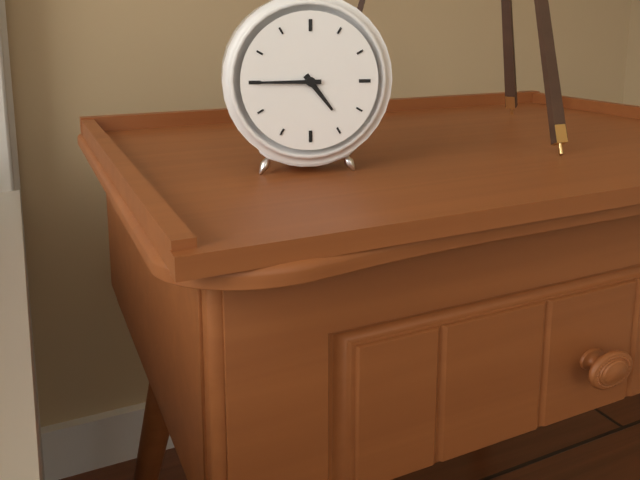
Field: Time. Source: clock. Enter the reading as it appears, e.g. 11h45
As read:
4h45
